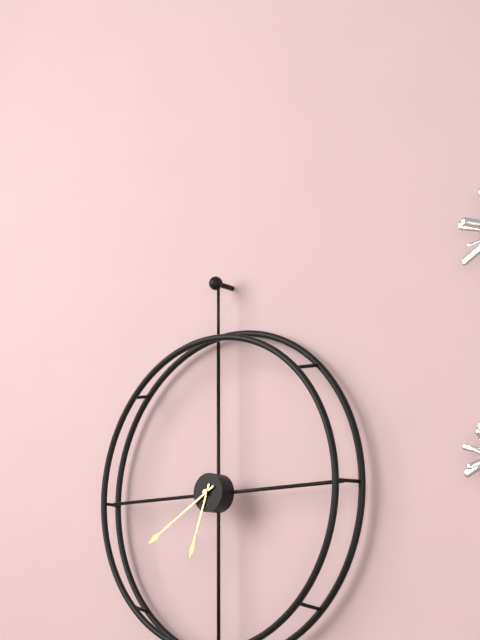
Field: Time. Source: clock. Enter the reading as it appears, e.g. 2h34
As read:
6h40
